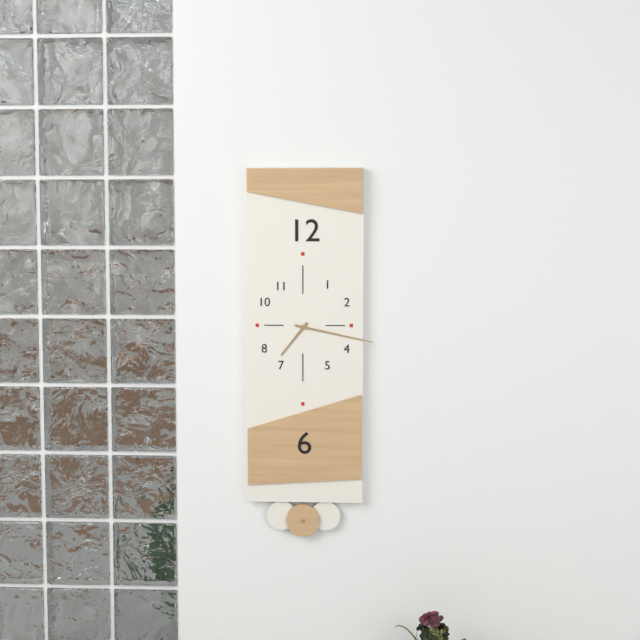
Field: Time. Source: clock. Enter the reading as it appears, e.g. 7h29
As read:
7h17
